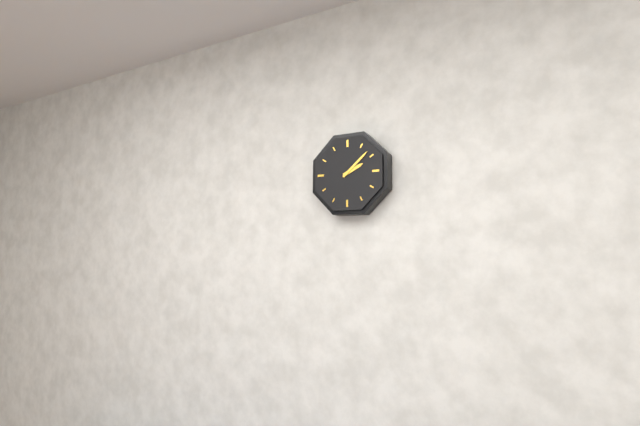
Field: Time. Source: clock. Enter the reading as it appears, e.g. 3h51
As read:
2h08
